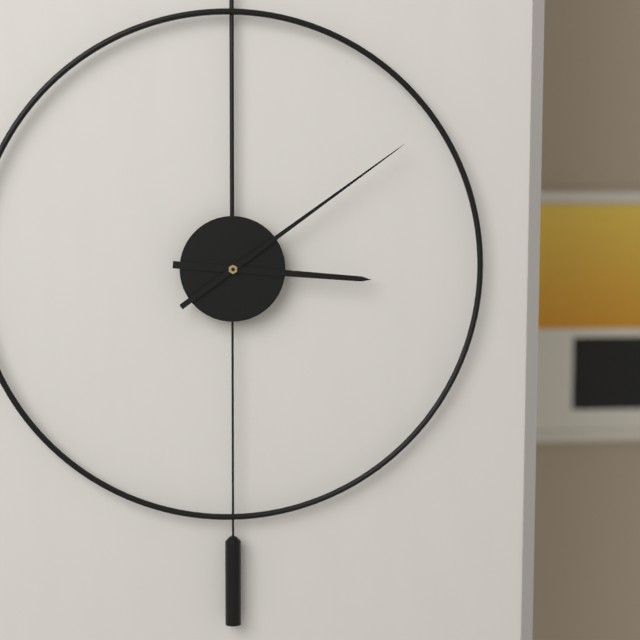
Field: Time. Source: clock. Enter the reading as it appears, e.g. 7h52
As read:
3h09
